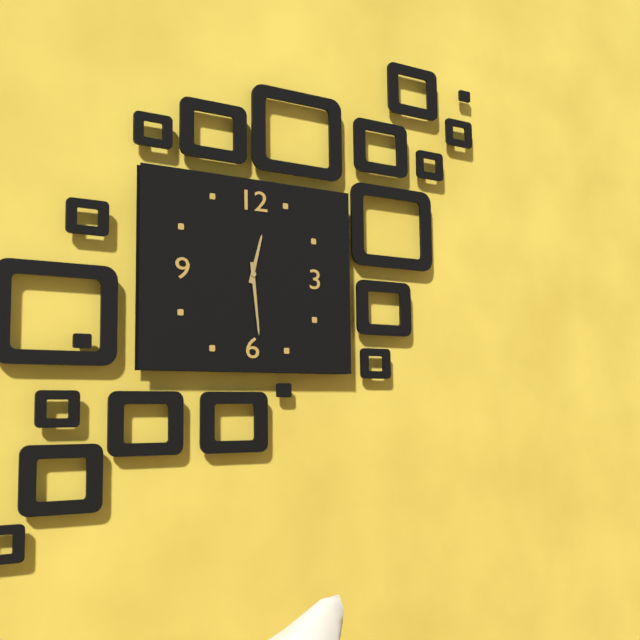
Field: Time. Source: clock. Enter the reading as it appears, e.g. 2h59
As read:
12h29
